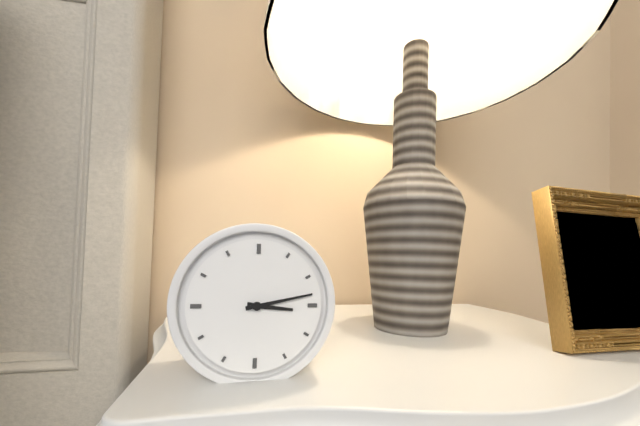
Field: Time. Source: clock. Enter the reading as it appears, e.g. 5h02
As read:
3h13
